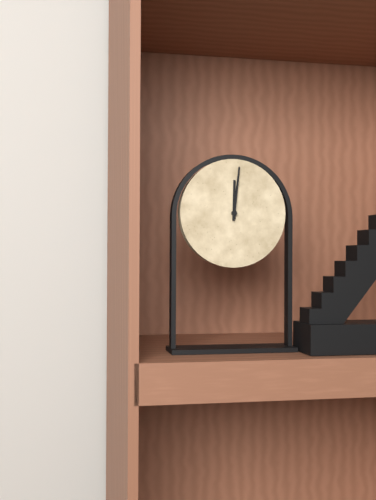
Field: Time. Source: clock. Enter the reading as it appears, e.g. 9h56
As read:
12h01
